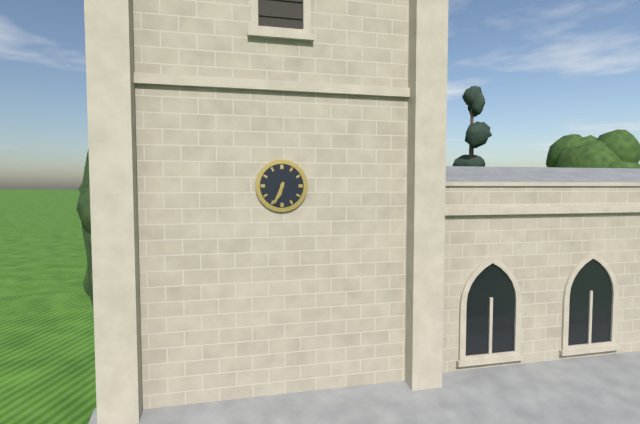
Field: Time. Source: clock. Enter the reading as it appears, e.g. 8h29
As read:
6h34
